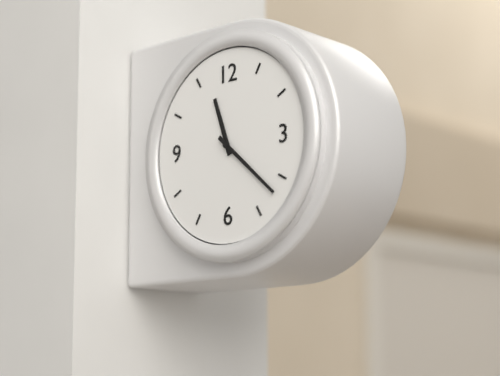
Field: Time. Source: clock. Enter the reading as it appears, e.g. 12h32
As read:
11h22
